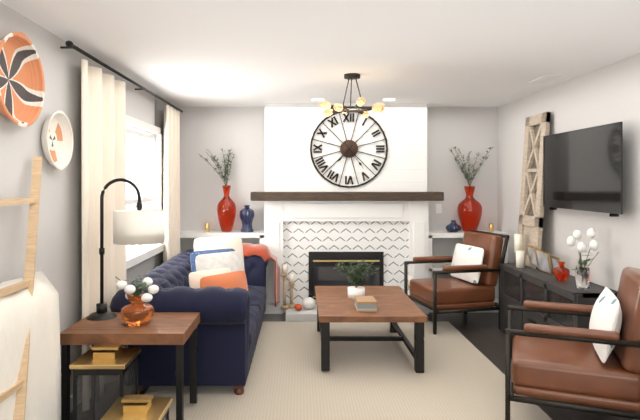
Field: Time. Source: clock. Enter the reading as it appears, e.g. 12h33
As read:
7h24
